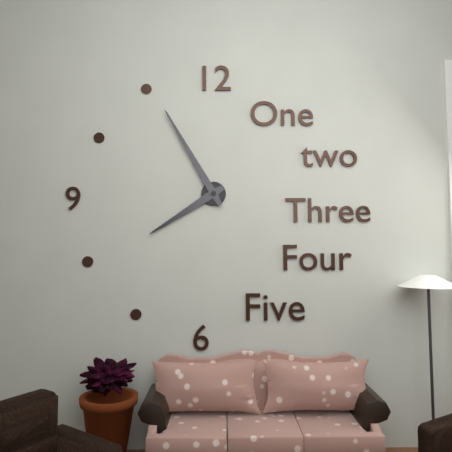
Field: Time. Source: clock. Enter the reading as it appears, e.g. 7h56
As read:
7h55
